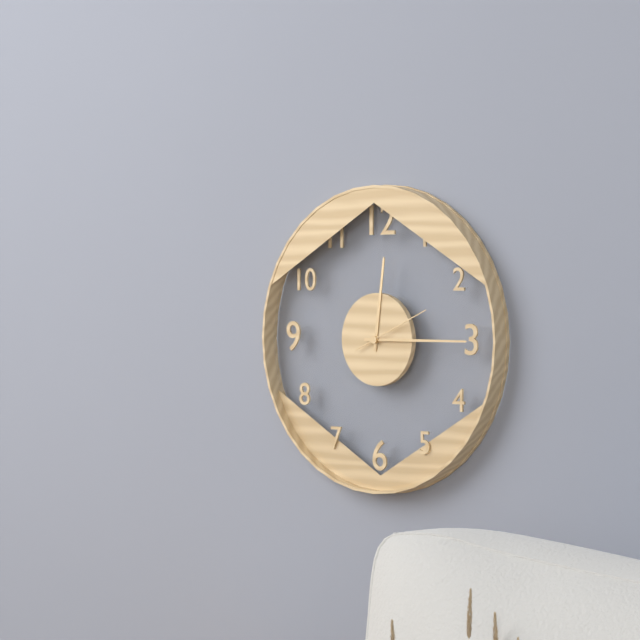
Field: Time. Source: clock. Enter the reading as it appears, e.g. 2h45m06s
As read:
12h15m11s
